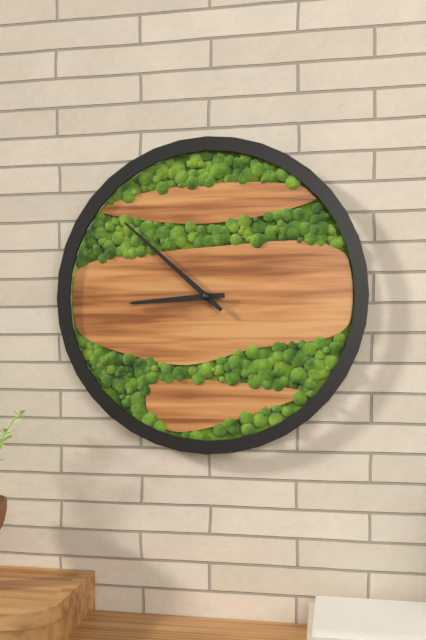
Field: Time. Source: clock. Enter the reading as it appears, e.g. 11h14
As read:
8h52
